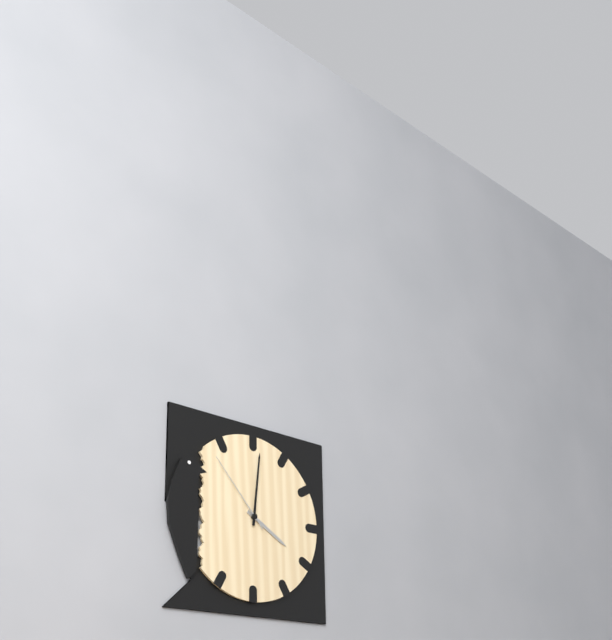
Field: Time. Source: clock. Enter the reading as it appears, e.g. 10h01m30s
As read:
4h01m53s
